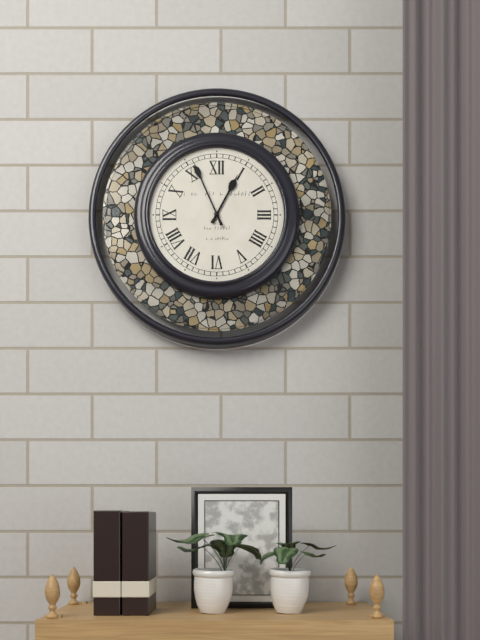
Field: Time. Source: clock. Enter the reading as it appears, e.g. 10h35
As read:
12h56
